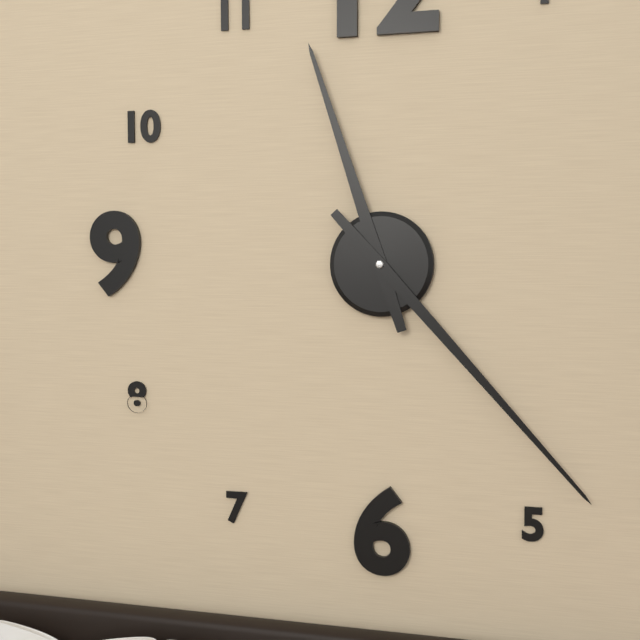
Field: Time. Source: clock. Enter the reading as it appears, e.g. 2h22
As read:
11h23
